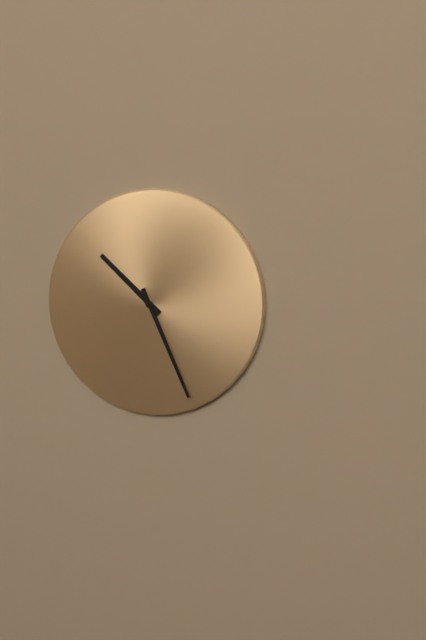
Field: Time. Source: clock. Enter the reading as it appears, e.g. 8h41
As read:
10h26
